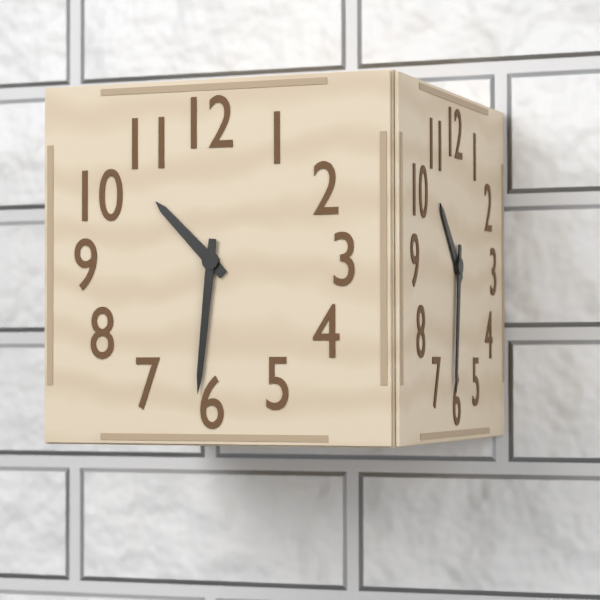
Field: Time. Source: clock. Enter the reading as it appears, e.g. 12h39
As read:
10h31
